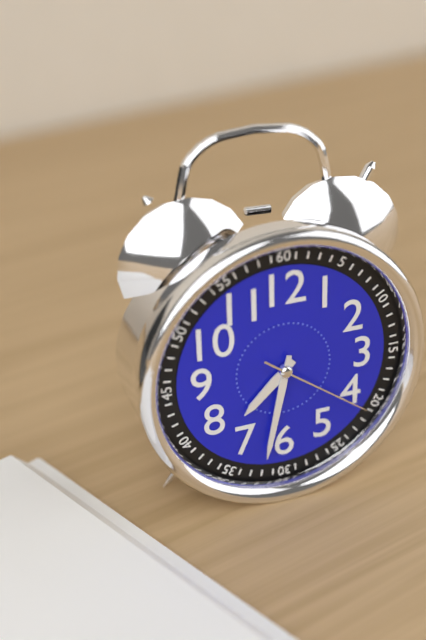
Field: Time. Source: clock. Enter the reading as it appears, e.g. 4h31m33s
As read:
7h32m21s
